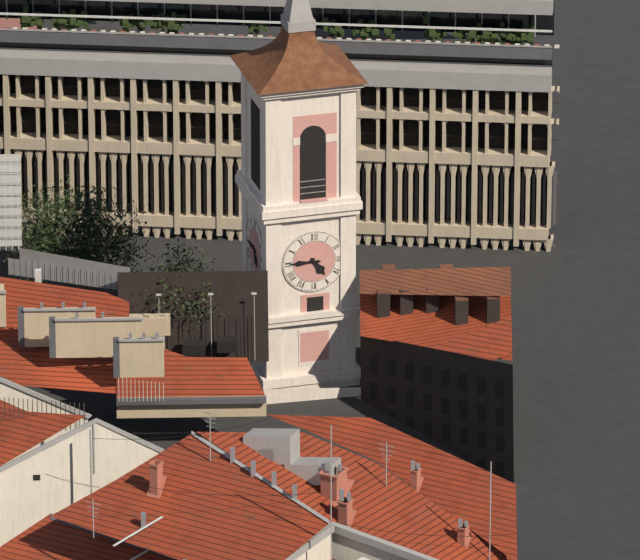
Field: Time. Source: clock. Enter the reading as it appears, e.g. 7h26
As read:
4h45
